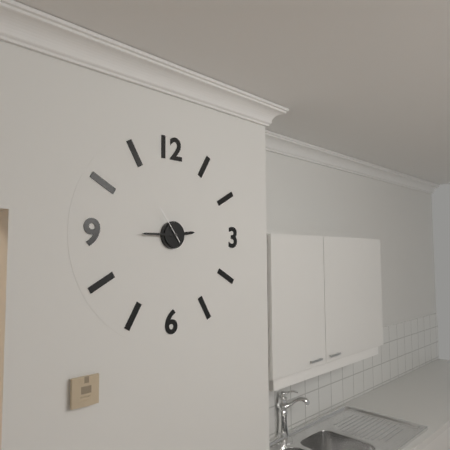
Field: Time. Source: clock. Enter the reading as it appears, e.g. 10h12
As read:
2h45
